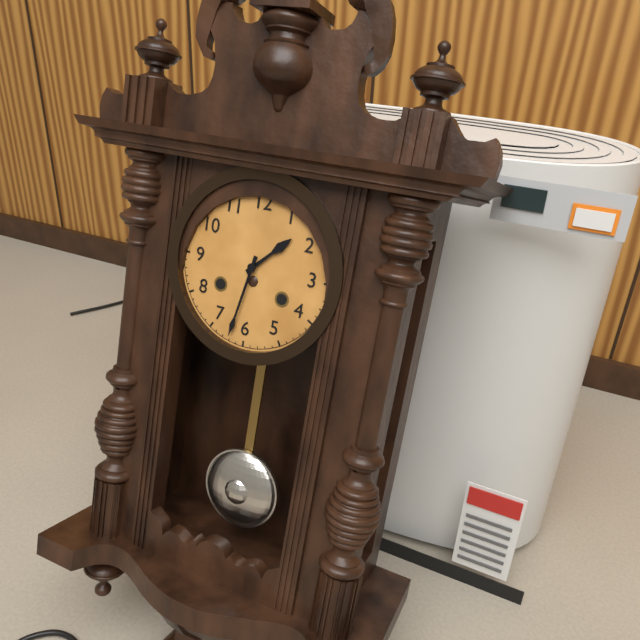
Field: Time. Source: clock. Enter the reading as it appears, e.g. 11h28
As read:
1h32
